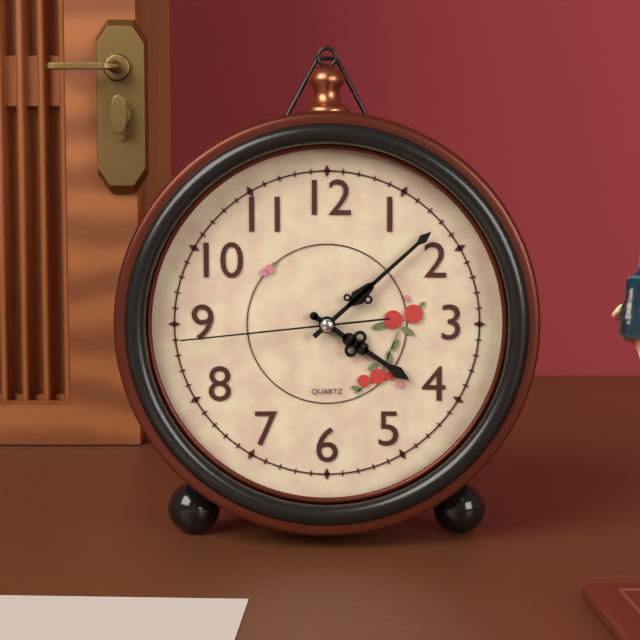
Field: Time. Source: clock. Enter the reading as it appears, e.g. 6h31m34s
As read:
4h08m44s
